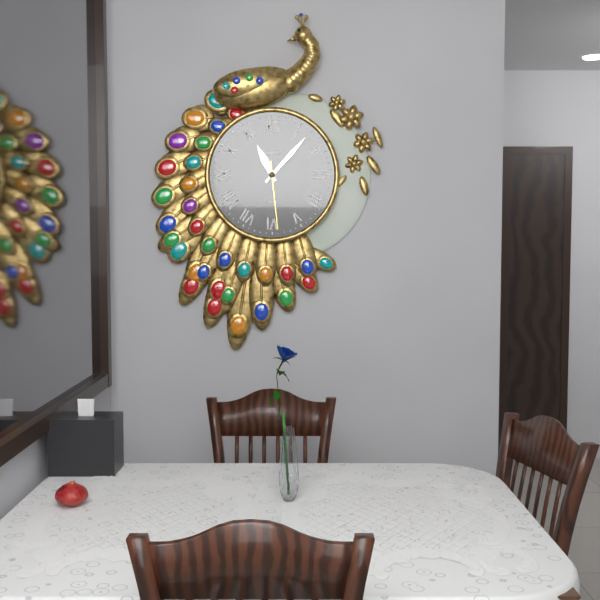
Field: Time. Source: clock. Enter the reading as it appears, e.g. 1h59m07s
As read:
11h07m29s
